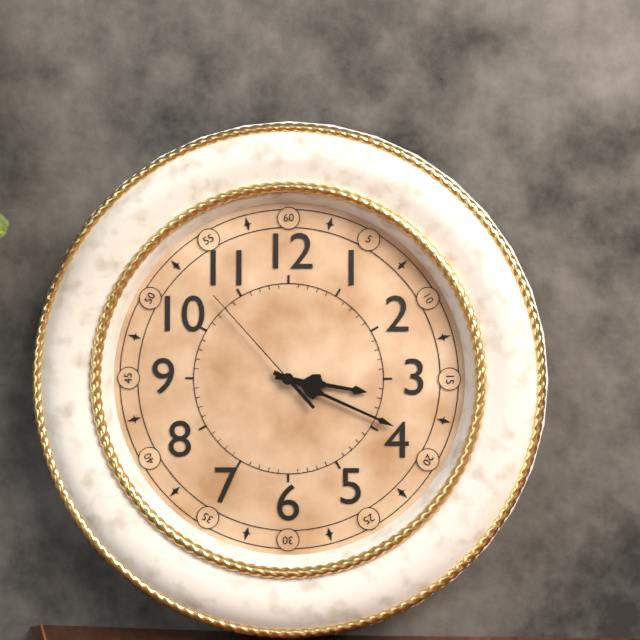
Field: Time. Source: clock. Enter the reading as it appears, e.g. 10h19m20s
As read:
3h19m53s
